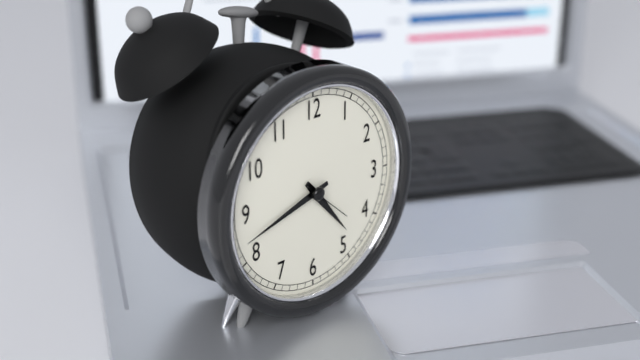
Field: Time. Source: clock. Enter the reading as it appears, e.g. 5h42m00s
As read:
4h42m22s
